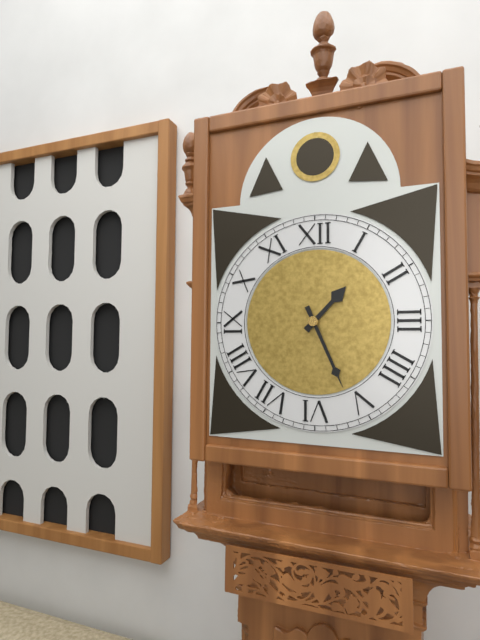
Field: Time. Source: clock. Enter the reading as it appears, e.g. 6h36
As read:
1h26
